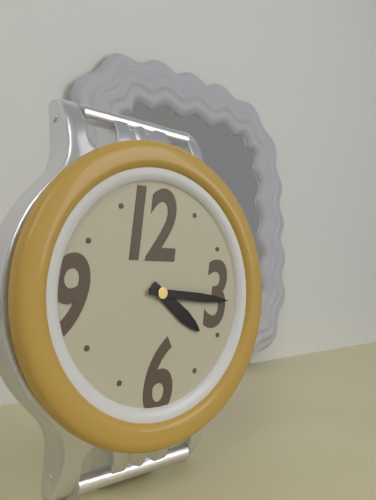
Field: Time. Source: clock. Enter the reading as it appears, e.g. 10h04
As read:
4h16
